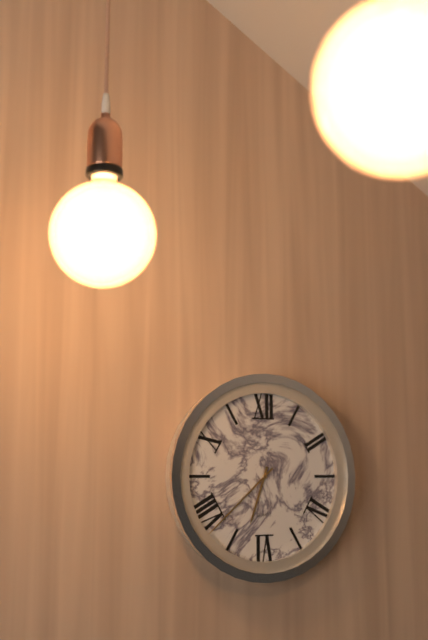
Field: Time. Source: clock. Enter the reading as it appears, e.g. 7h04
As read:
6h38
